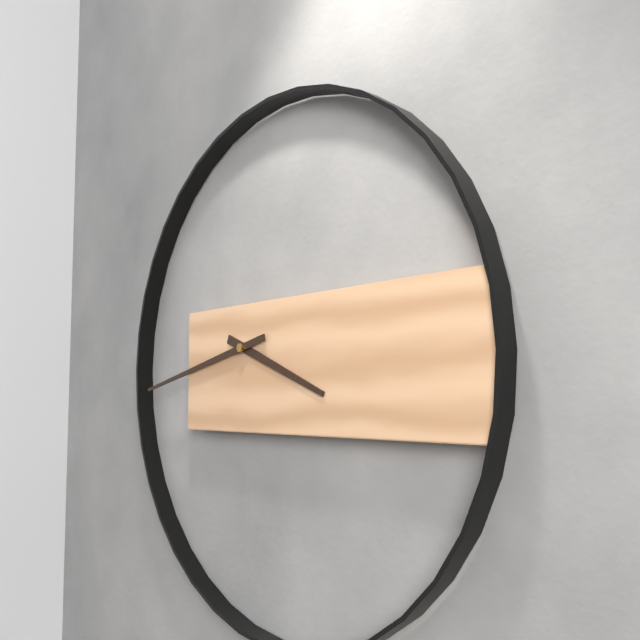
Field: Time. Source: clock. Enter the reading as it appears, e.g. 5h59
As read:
3h43
